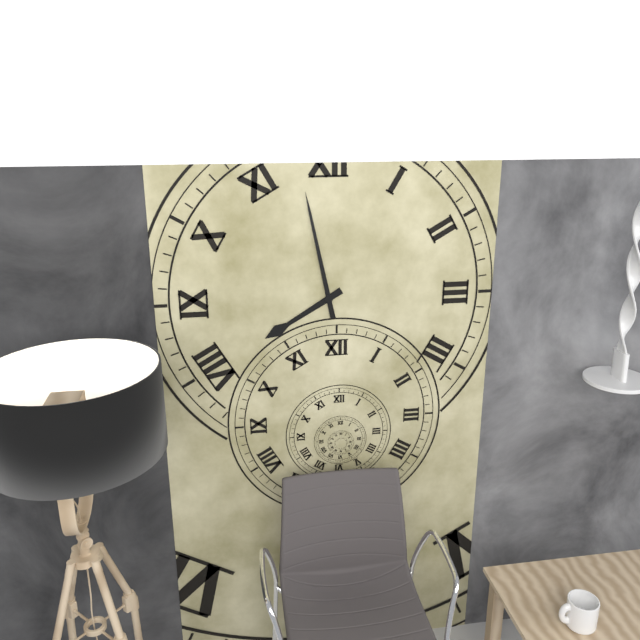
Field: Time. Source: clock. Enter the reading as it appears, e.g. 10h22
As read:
7h58
